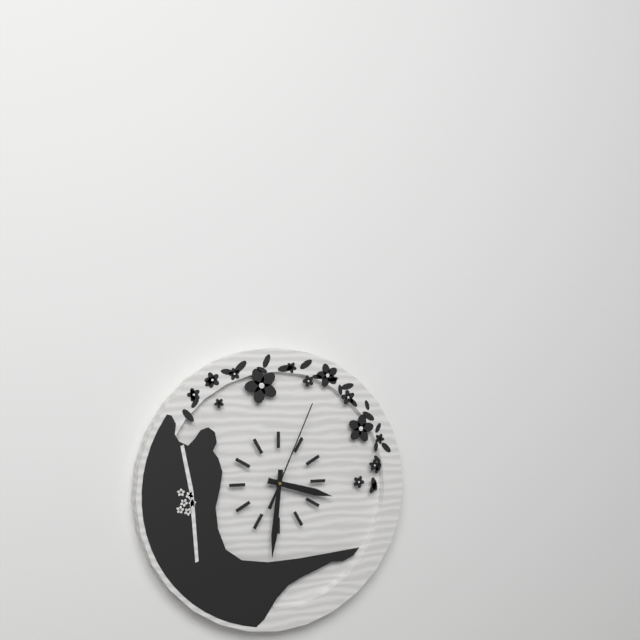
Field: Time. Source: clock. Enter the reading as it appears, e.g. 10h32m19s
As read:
3h31m04s
